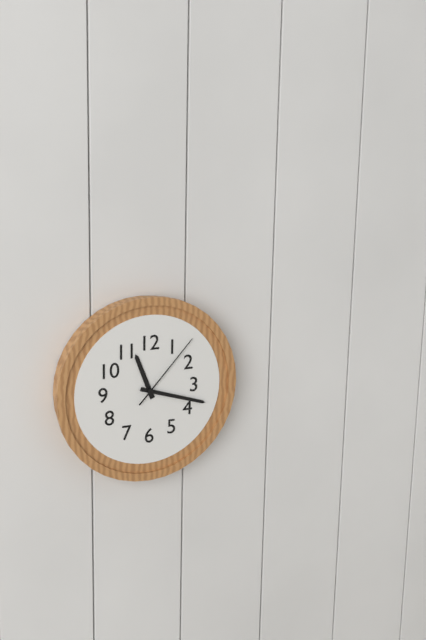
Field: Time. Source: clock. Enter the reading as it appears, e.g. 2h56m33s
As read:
11h18m07s
